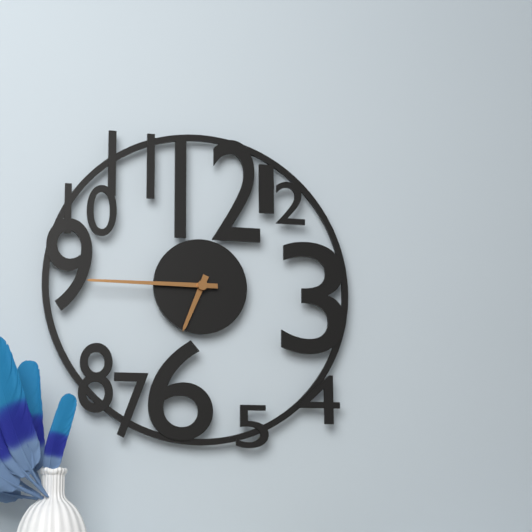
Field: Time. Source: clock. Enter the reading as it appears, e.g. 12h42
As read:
6h45
